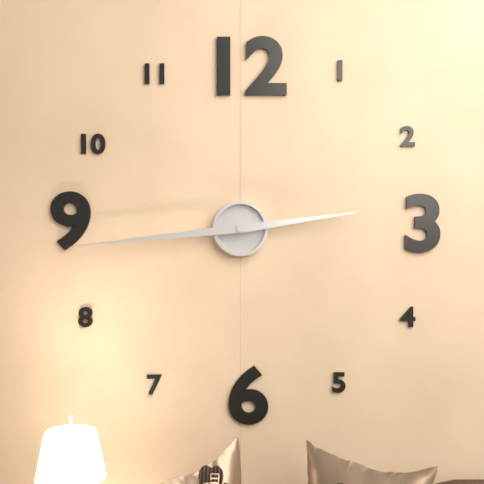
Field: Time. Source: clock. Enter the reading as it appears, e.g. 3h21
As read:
2h44
